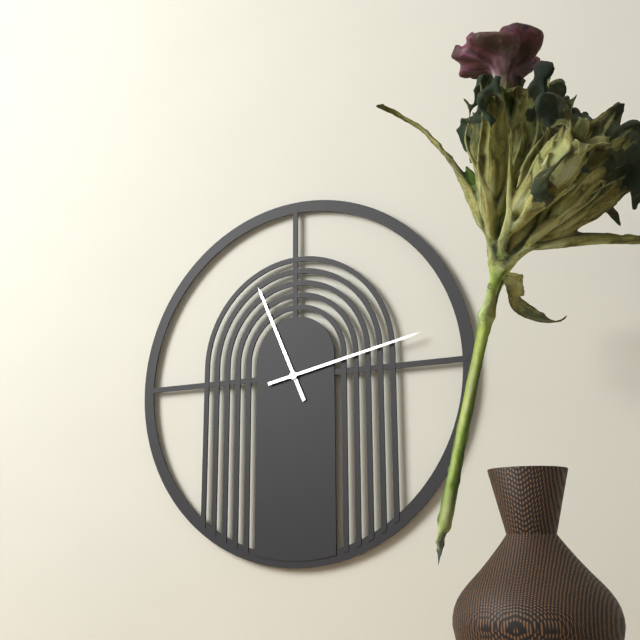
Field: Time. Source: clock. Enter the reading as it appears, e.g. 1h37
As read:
11h13
